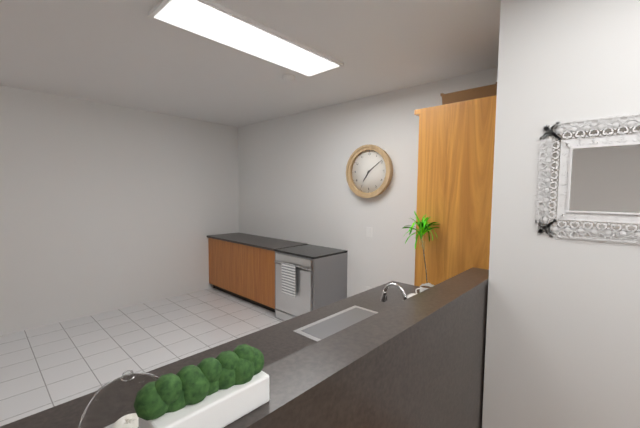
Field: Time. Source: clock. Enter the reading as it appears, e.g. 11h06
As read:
7h09
